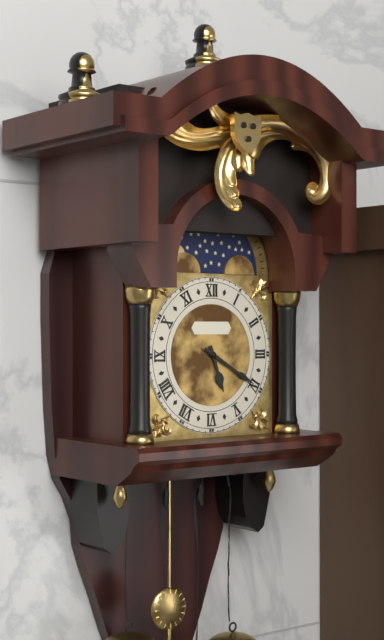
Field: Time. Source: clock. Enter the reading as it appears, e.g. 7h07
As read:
5h20
